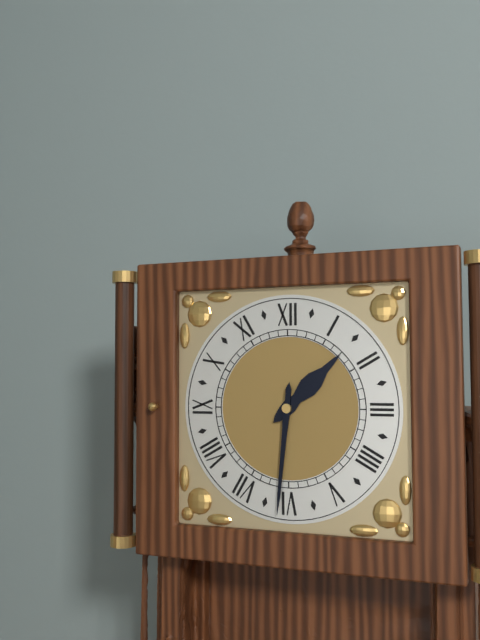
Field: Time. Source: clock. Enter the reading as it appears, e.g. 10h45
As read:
1h31
